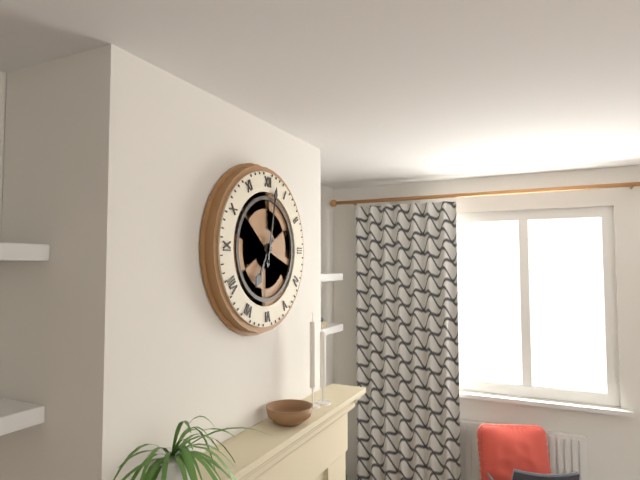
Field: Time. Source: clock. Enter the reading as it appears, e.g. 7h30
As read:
7h02
